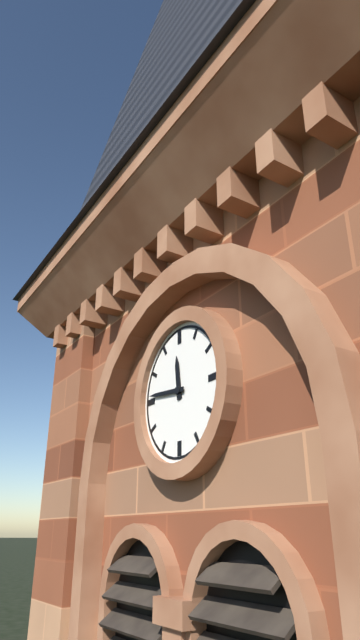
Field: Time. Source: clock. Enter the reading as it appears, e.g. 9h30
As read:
11h46
